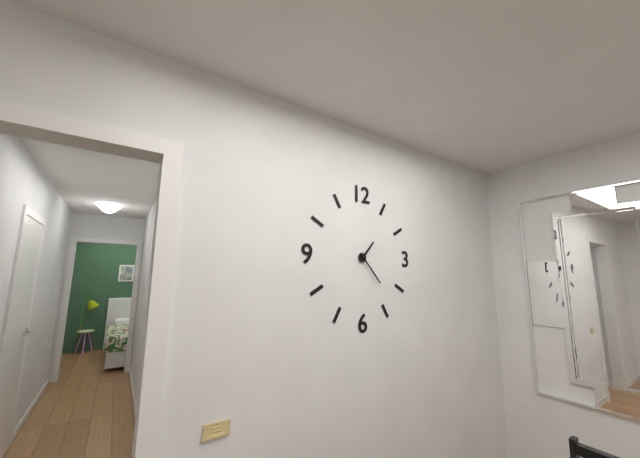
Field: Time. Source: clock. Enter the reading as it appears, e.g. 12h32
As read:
1h23
